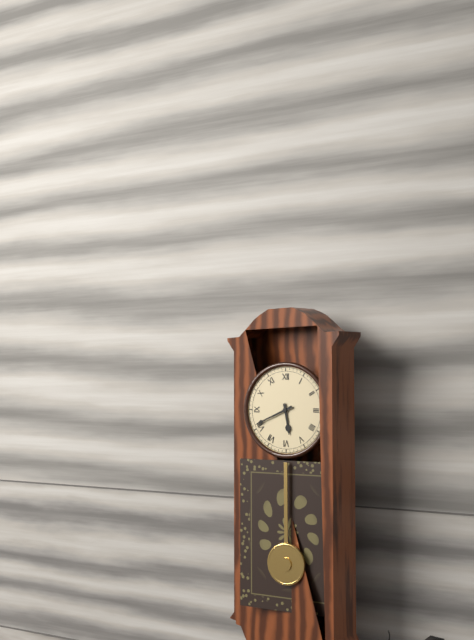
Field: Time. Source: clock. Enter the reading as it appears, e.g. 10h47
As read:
5h41
